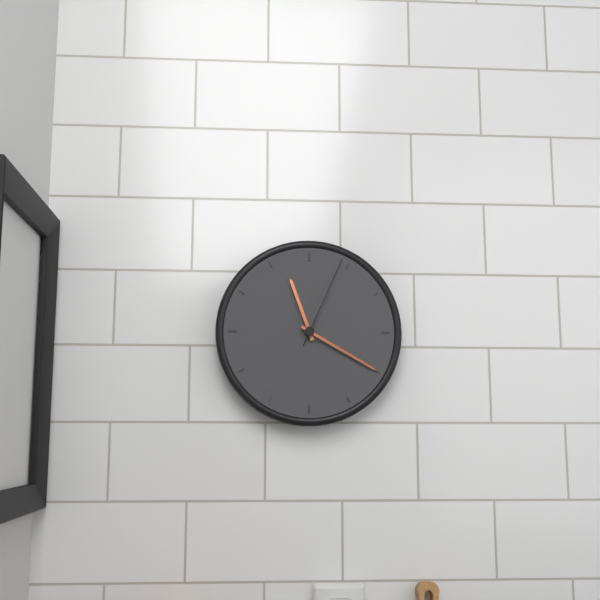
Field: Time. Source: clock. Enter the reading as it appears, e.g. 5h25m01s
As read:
11h20m04s
